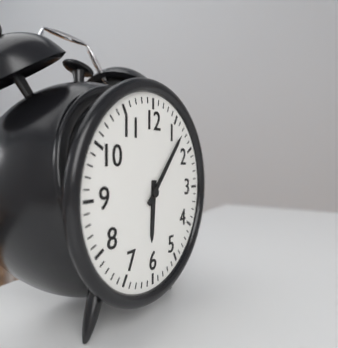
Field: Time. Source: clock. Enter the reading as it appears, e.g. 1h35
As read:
6h07
